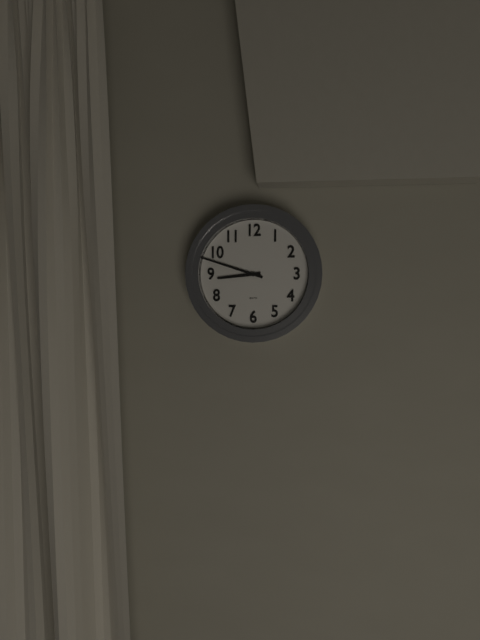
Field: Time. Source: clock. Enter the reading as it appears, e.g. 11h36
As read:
8h48
